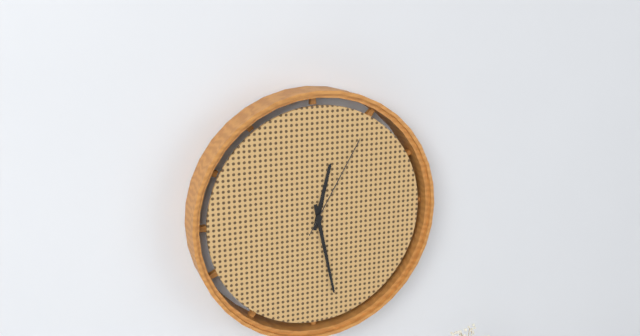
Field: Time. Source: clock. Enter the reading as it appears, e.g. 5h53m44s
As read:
12h28m05s
